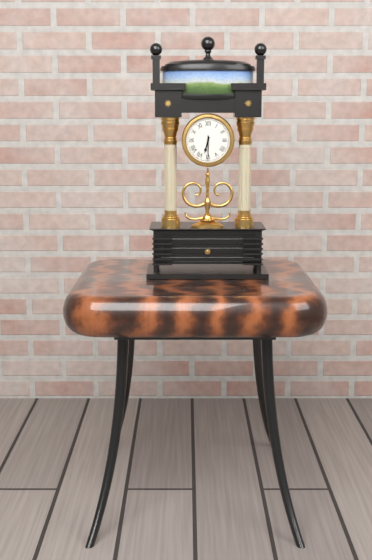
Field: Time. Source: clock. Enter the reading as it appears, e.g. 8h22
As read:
6h30
